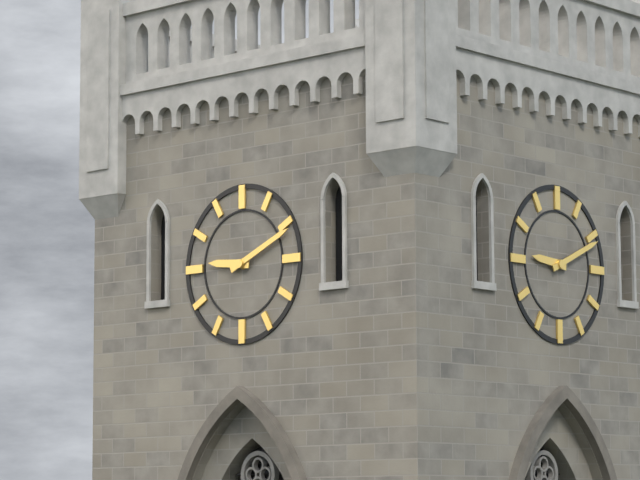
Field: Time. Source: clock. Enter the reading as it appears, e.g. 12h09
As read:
9h11
